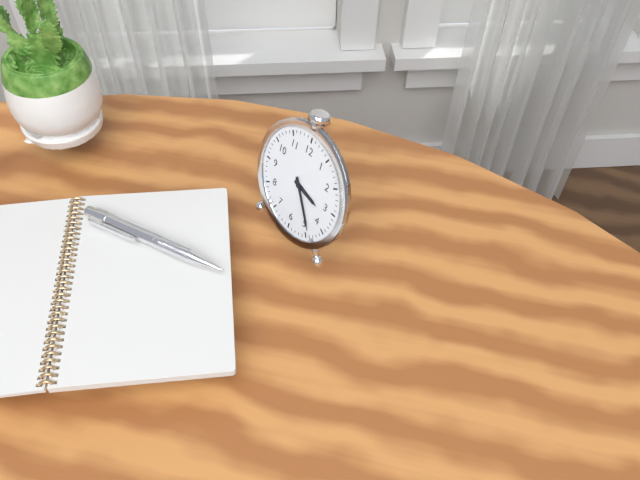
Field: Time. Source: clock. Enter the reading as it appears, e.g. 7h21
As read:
3h24
